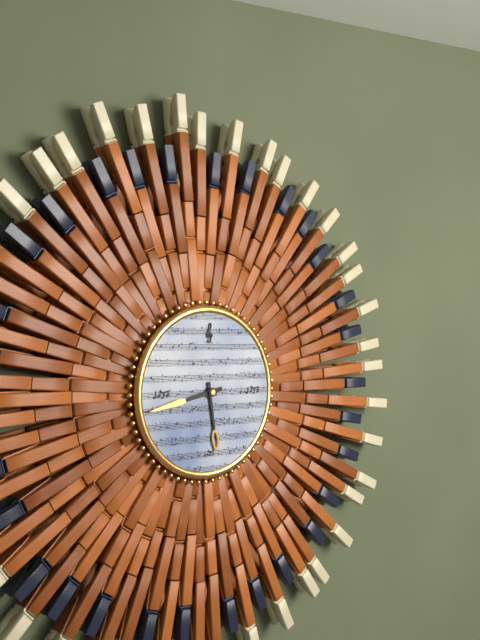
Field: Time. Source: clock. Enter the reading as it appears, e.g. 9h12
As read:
5h43
